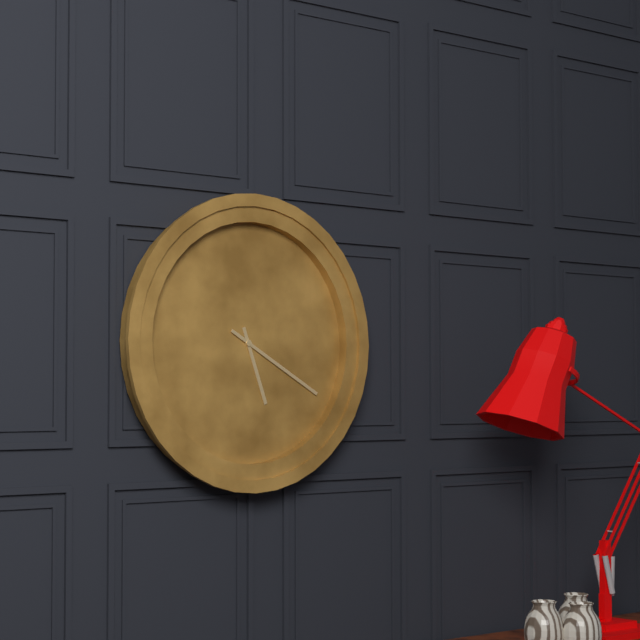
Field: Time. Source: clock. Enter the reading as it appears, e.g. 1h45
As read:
5h20
